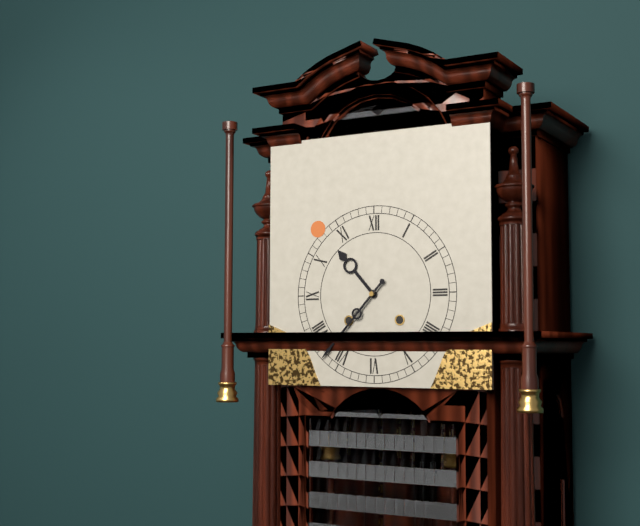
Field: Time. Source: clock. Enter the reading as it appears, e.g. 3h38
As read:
10h37
